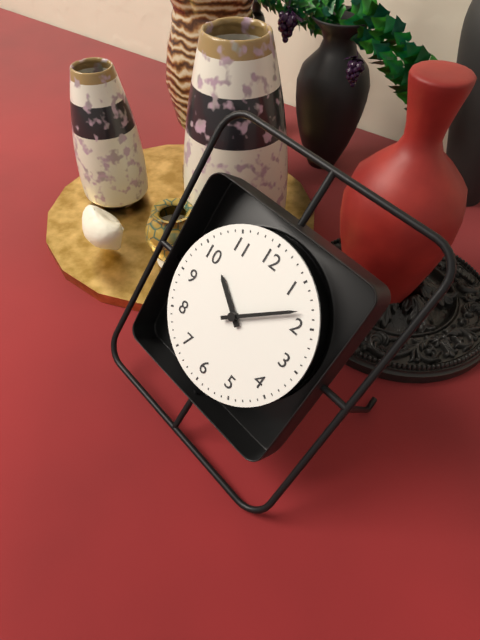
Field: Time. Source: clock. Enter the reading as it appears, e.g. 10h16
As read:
10h08
